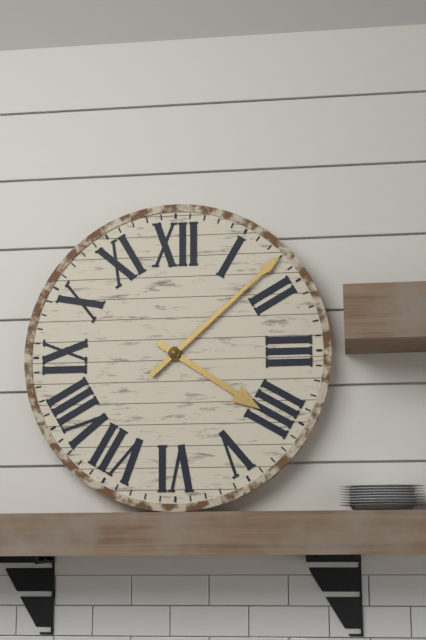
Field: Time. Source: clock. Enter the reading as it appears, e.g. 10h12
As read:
4h08
